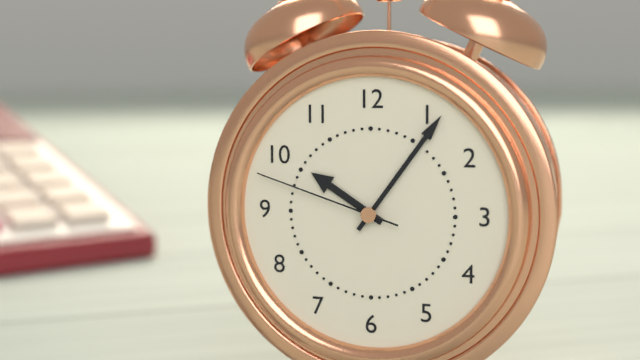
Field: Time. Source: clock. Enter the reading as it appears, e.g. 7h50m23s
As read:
10h06m48s
